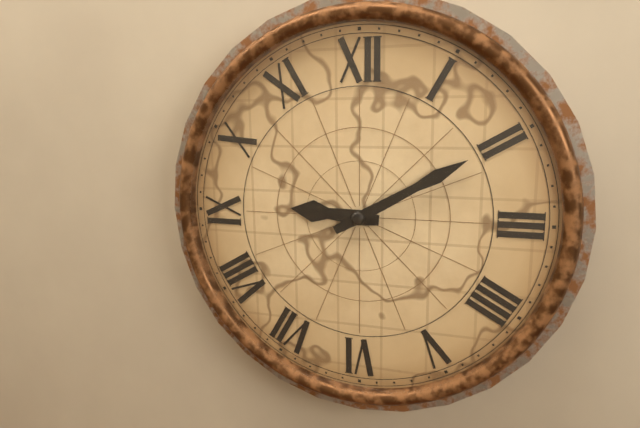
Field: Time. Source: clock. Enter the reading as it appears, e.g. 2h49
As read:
9h10
